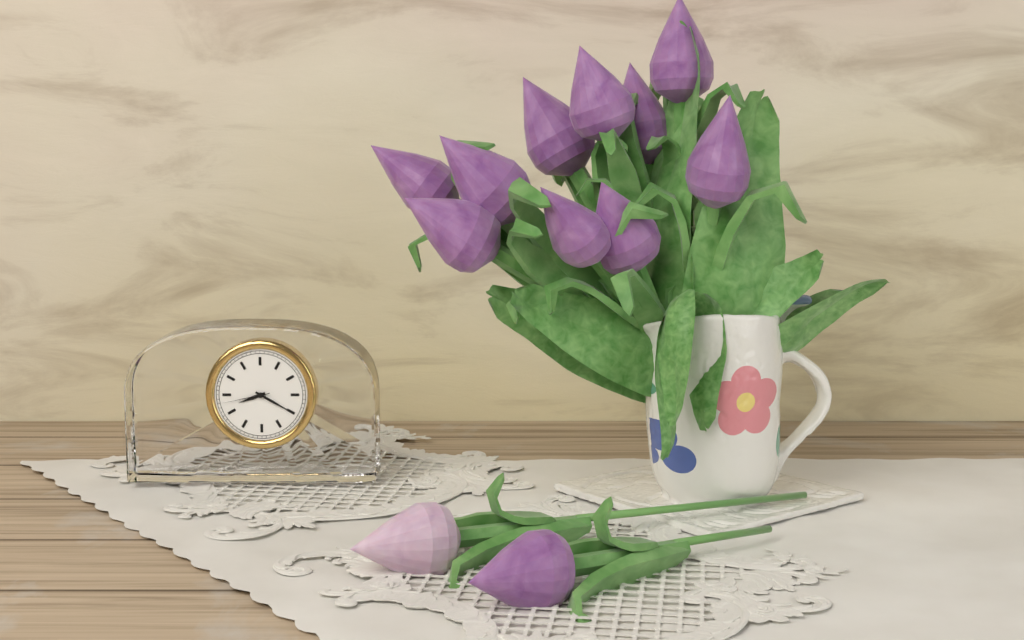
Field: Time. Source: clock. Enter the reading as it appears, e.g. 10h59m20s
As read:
8h20m43s
